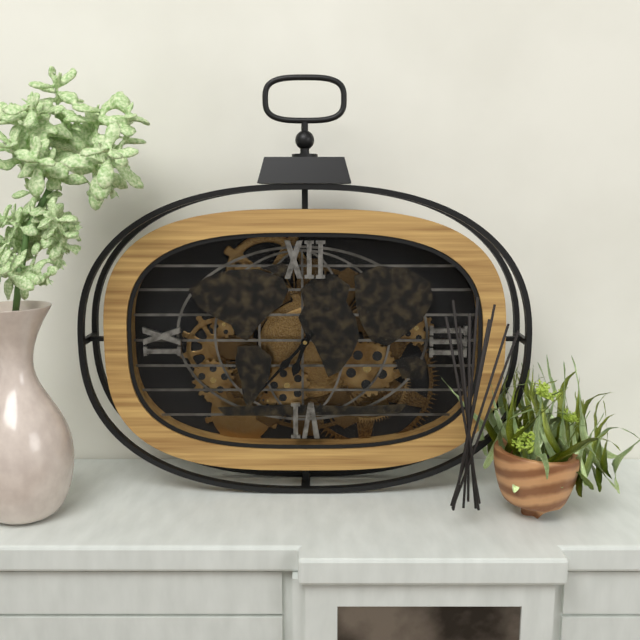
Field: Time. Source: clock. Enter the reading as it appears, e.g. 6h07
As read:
6h37
